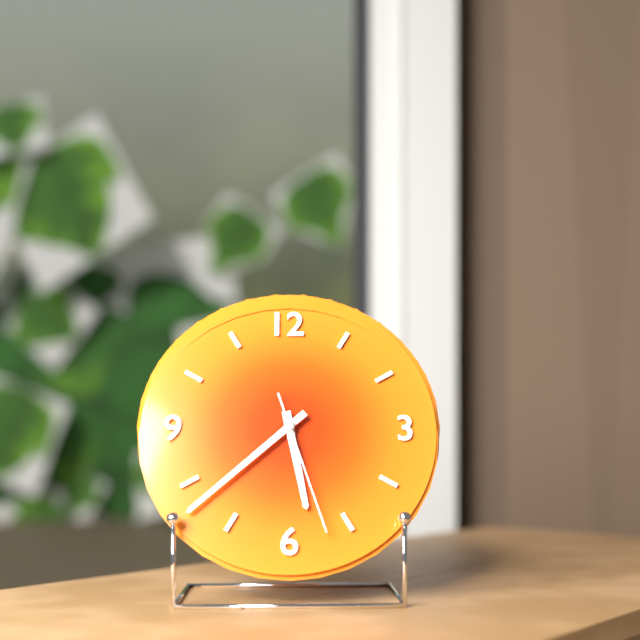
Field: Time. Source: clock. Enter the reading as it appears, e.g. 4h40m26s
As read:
5h38m27s
